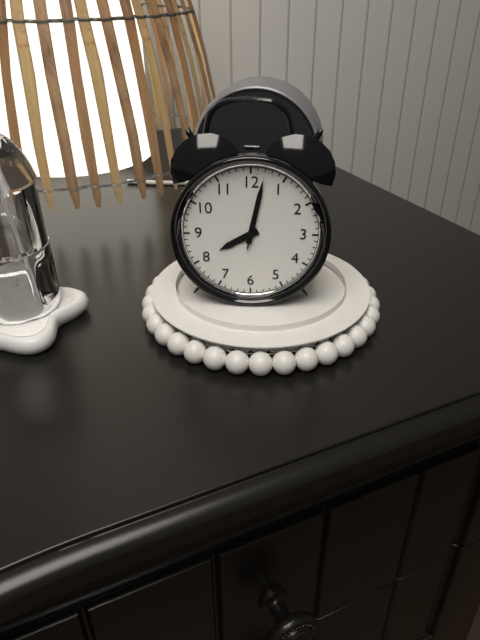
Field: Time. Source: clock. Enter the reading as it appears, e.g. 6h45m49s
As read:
8h02m02s
